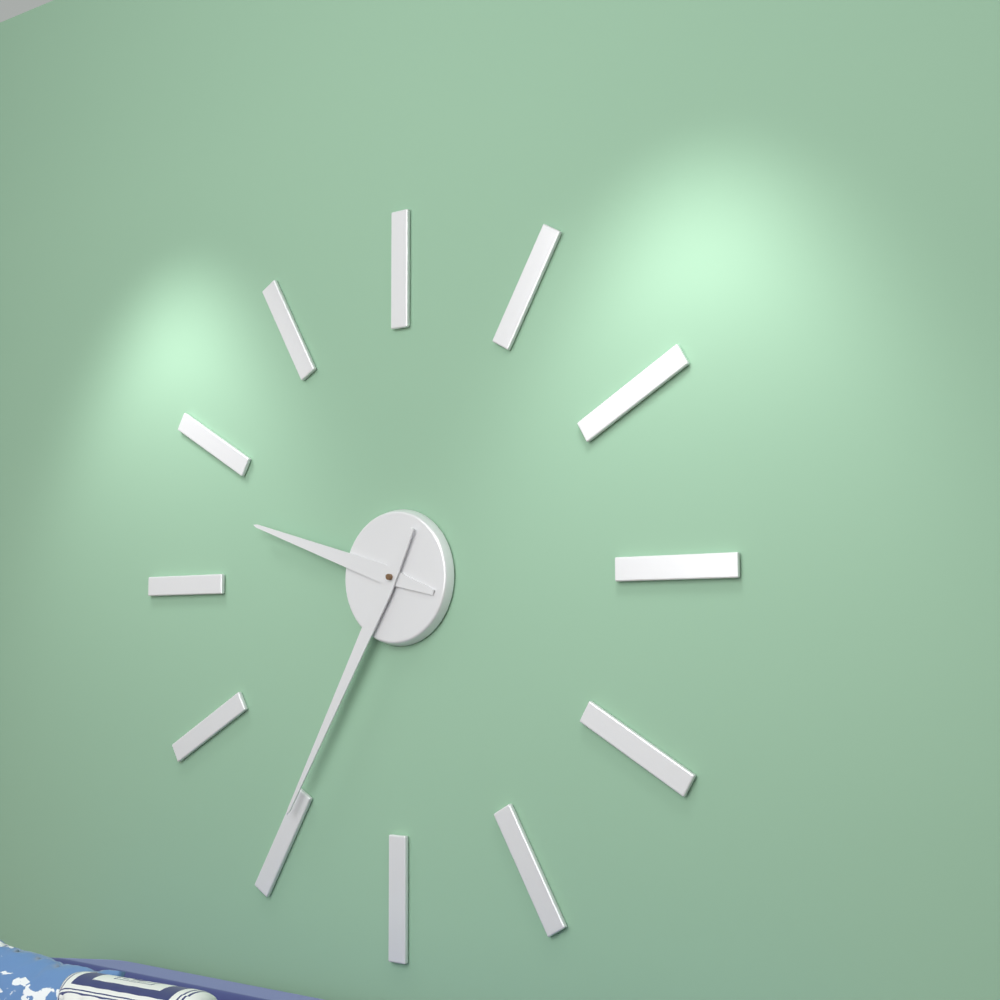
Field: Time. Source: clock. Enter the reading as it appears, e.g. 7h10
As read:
9h35
